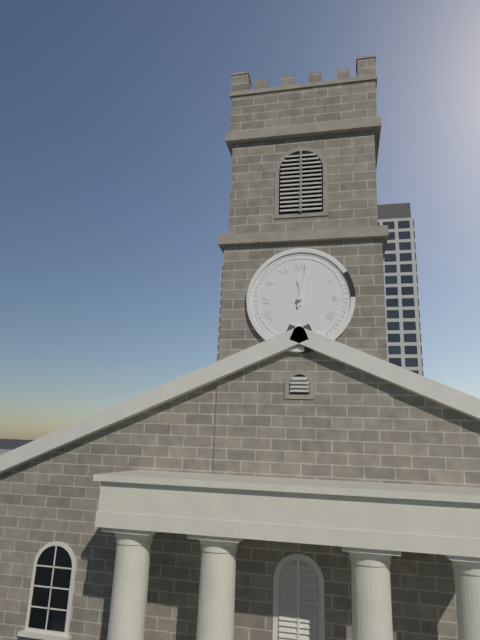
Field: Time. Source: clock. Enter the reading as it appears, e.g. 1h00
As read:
12h02
